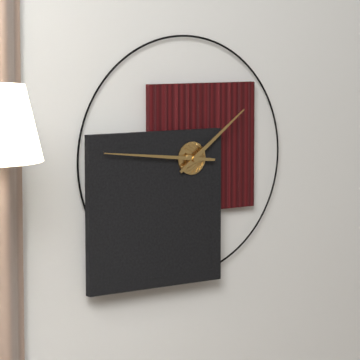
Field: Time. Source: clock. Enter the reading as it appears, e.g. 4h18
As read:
1h46
